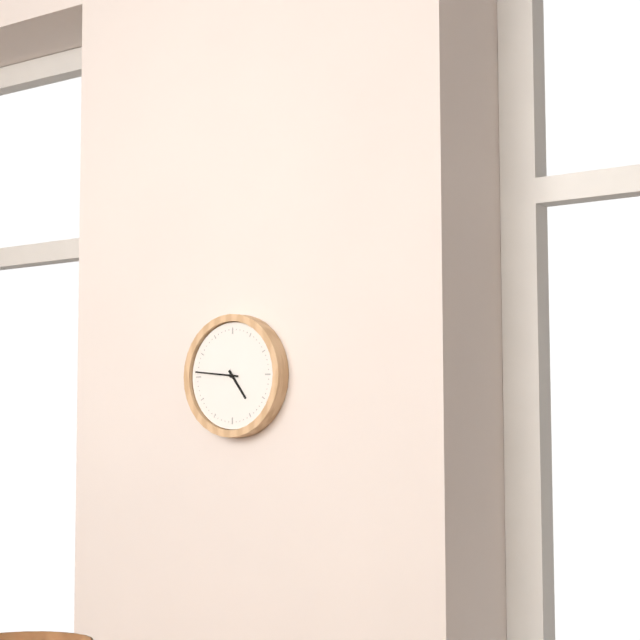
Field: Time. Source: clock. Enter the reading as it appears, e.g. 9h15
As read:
4h46
